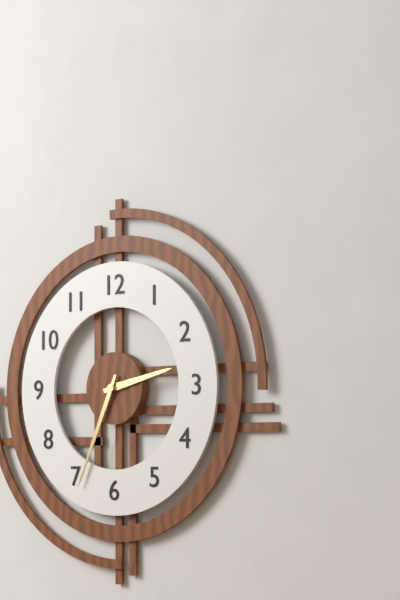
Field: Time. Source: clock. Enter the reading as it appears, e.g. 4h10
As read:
2h34
